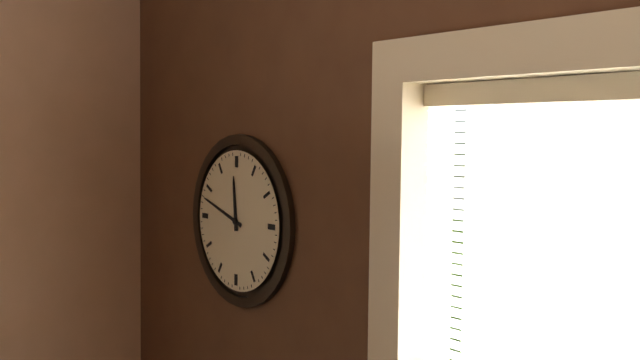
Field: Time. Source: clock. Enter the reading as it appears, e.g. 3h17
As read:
11h48
